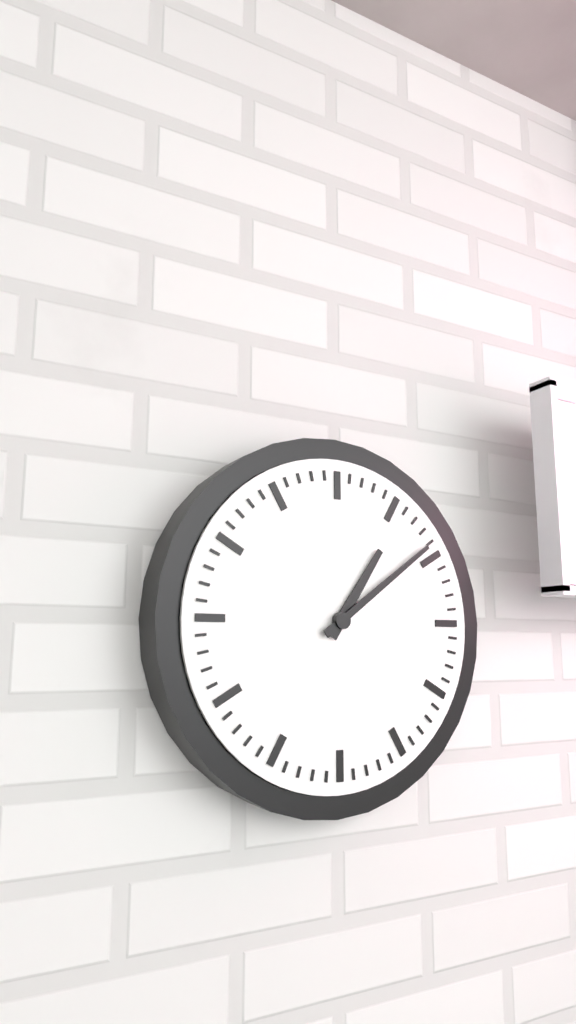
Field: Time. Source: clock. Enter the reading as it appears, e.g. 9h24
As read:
1h09
